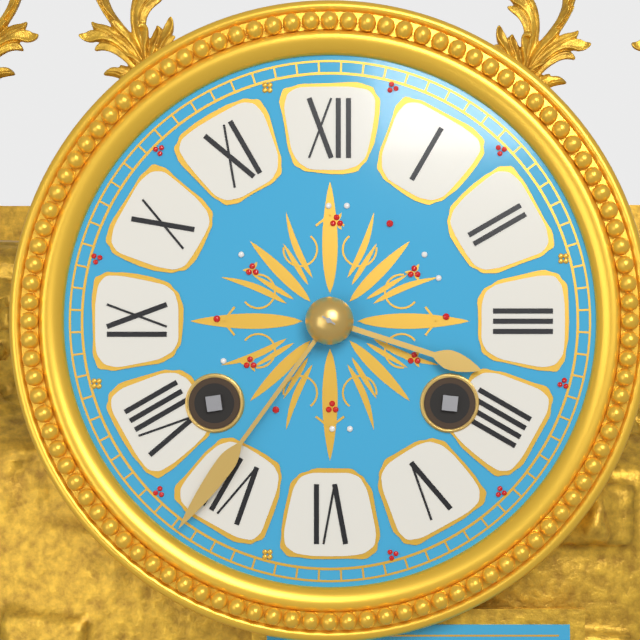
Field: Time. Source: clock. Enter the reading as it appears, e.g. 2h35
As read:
3h36
